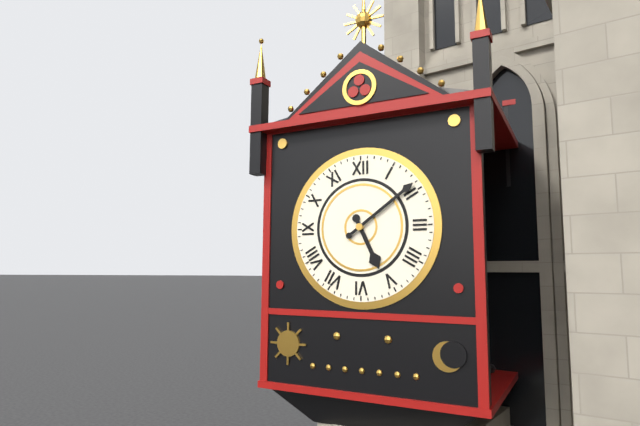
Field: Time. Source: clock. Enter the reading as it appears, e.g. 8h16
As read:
5h09
